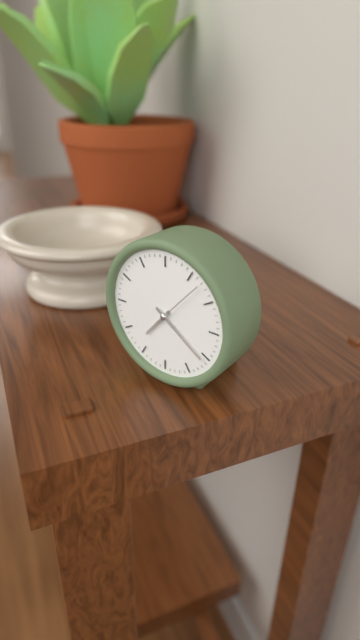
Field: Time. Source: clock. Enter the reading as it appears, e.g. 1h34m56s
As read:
7h21m07s
